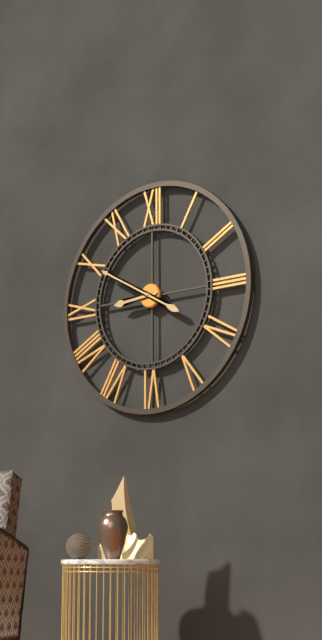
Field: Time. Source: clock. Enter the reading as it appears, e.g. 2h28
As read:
8h50
